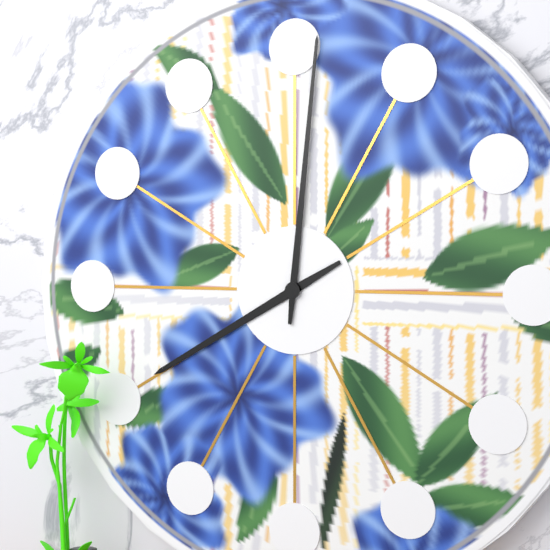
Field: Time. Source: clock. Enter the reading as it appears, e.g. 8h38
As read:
8h01
